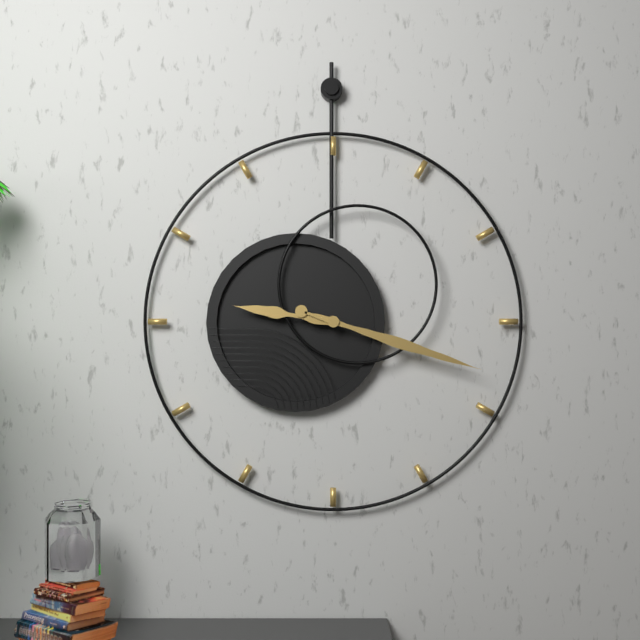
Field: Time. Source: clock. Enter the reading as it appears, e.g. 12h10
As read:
9h18
